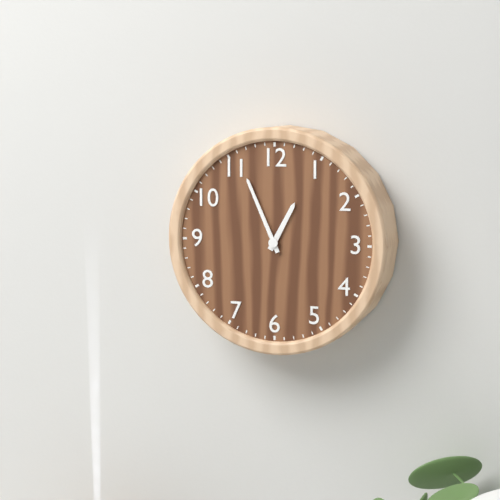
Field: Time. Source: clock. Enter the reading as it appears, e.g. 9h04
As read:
12h56
